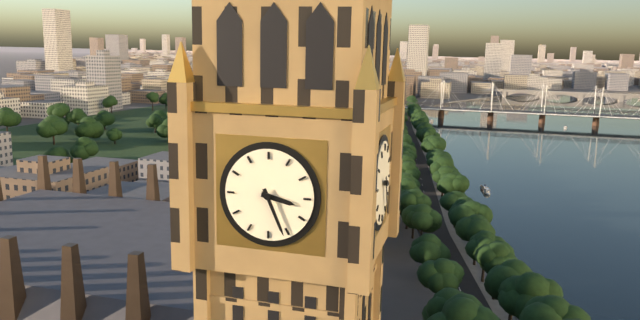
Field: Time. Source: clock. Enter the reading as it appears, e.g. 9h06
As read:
3h26
